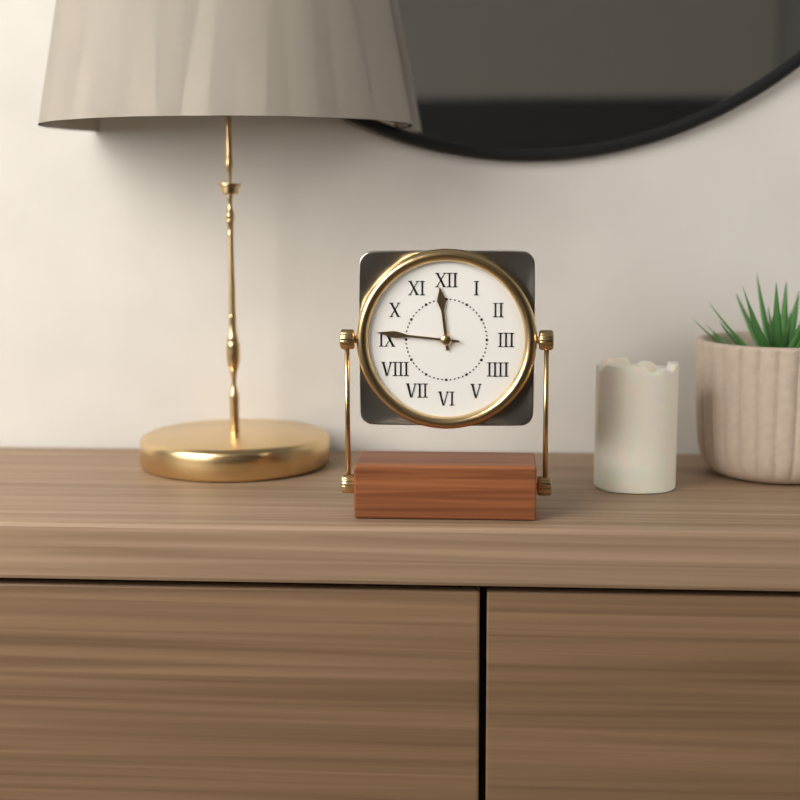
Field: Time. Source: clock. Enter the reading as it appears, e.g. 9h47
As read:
11h46
